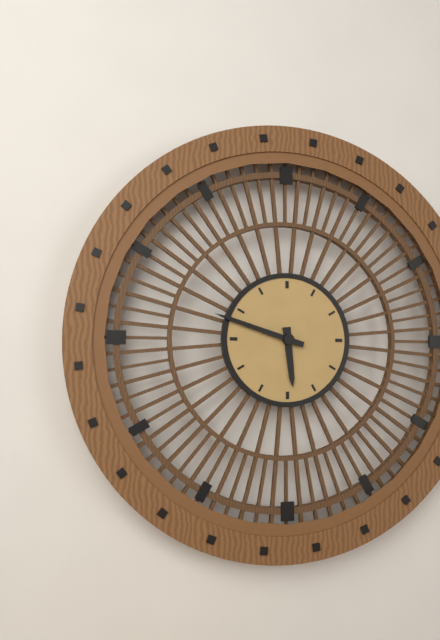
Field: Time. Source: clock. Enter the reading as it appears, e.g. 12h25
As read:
5h48
